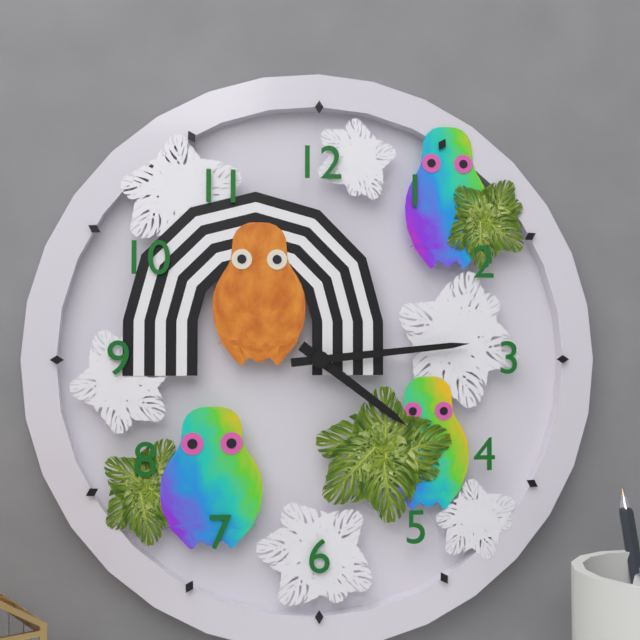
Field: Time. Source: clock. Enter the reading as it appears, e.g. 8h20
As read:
4h14
